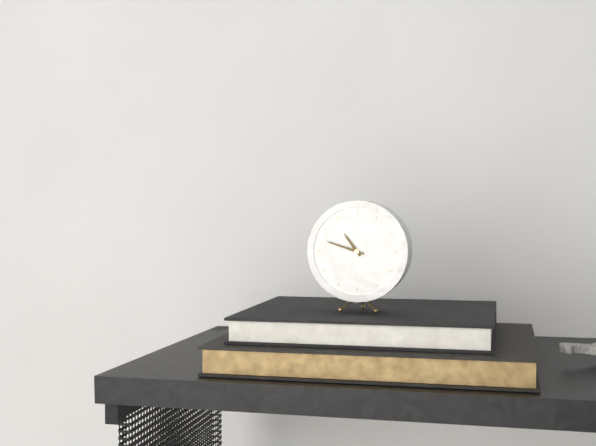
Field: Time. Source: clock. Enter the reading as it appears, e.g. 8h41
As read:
10h48
